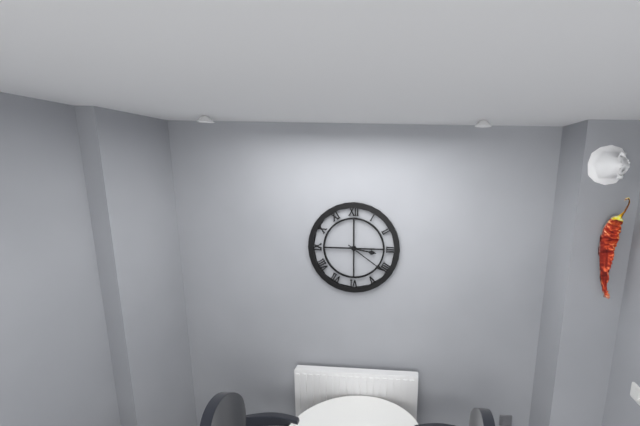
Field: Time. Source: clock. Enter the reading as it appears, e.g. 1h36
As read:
3h21
